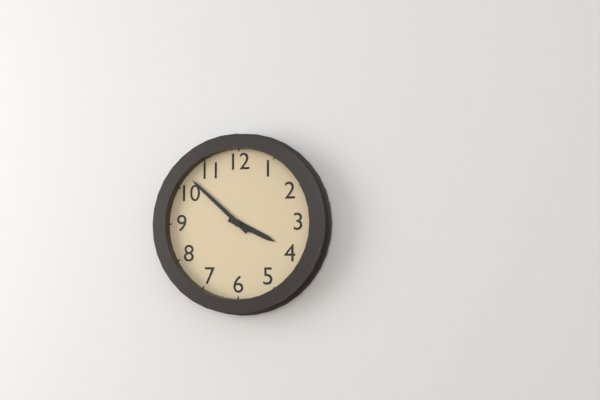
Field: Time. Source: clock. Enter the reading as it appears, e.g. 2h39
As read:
3h52
